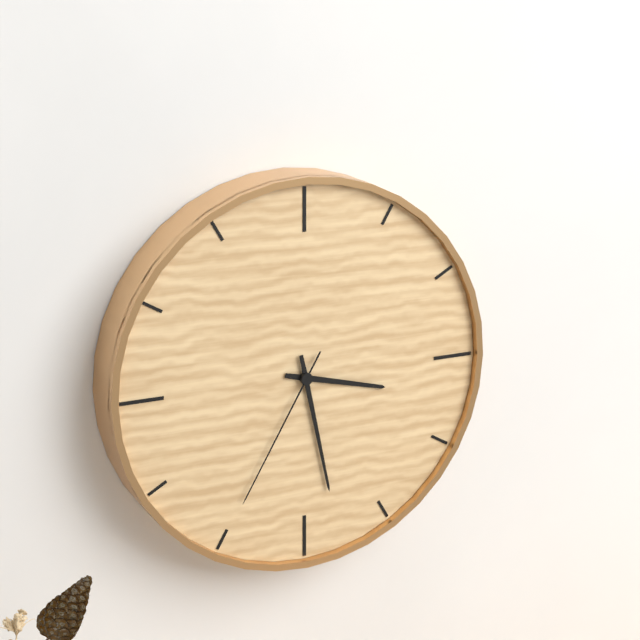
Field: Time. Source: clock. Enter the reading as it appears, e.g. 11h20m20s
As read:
3h28m35s
